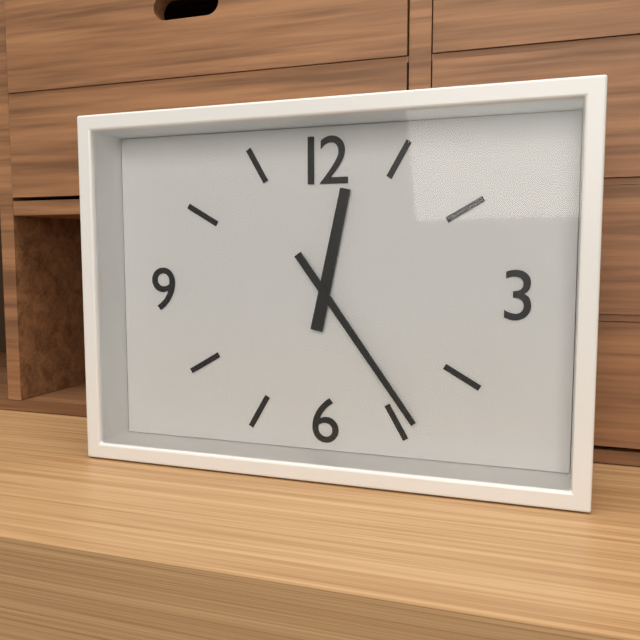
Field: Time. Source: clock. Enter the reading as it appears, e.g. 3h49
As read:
12h24
